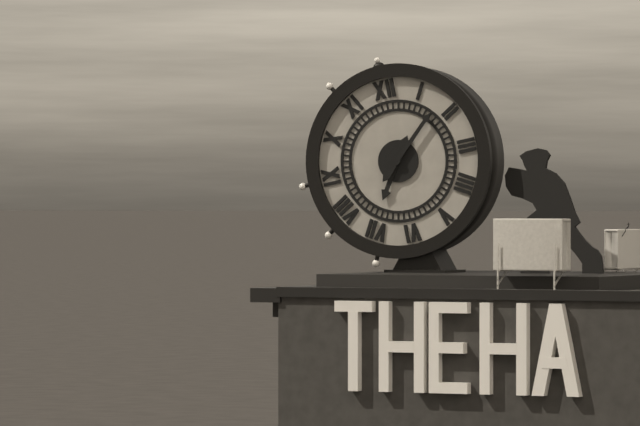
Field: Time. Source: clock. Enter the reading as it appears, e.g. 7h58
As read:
7h08
